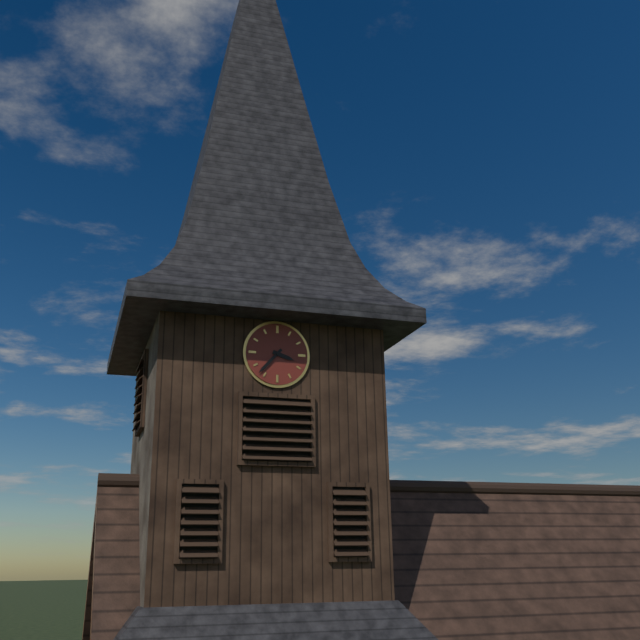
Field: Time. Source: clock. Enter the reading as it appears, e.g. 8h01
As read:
3h37
